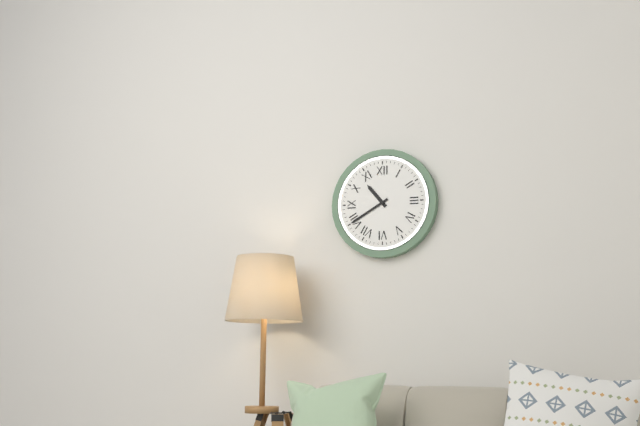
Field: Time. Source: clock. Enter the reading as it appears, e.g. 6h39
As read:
10h40
